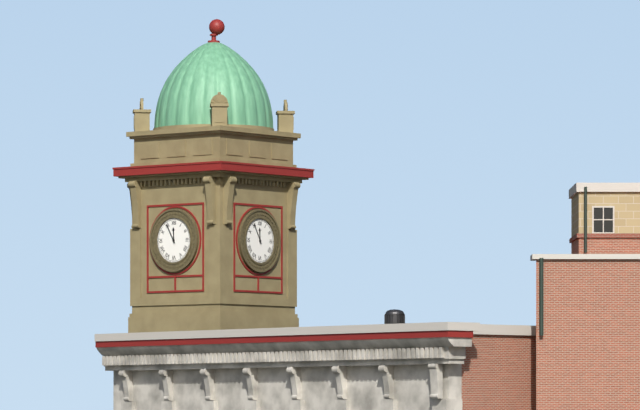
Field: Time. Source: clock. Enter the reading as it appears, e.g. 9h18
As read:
11h55
